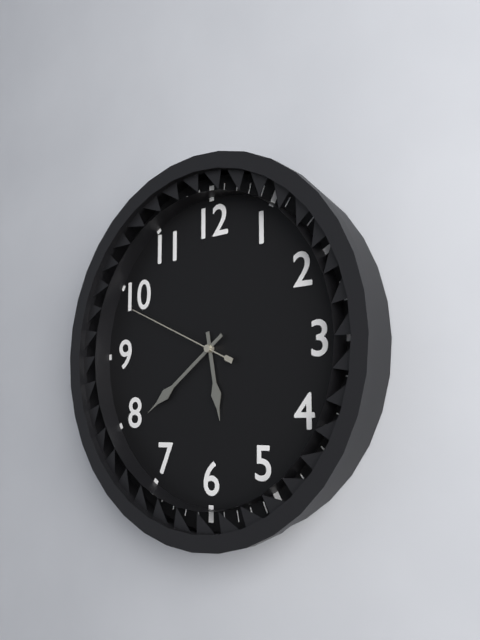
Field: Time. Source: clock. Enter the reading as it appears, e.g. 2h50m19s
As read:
5h39m49s
